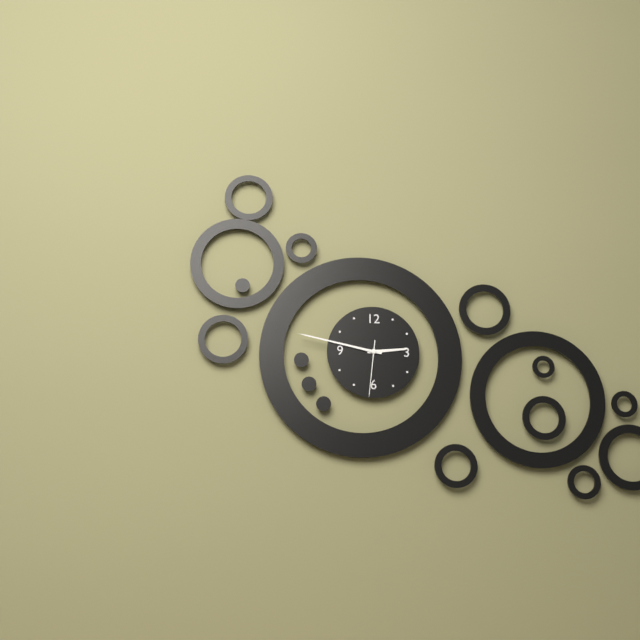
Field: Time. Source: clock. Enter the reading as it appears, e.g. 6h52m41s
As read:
2h47m31s
